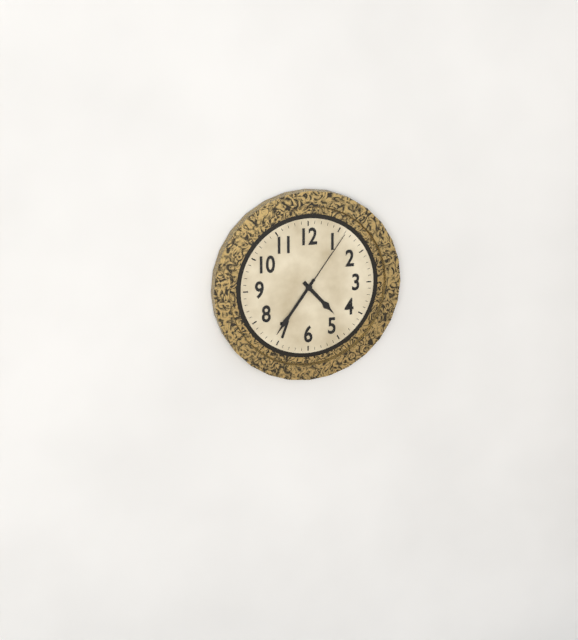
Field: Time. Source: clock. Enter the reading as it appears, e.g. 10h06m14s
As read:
4h36m06s
